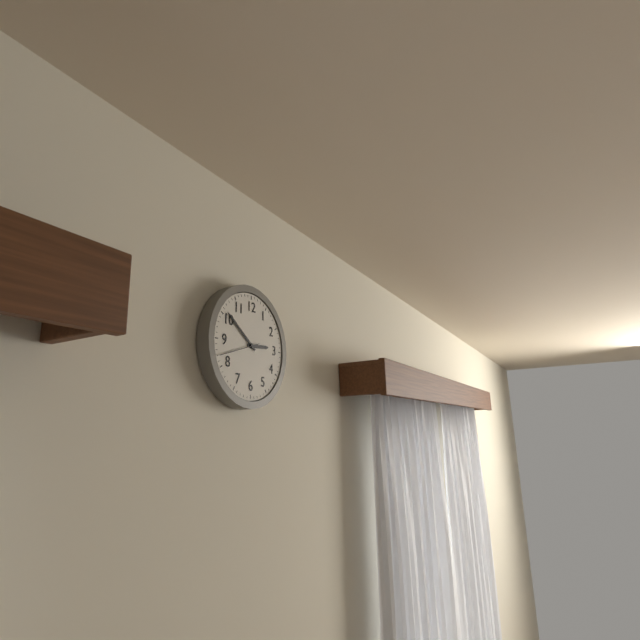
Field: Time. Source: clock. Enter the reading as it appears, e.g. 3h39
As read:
2h51
